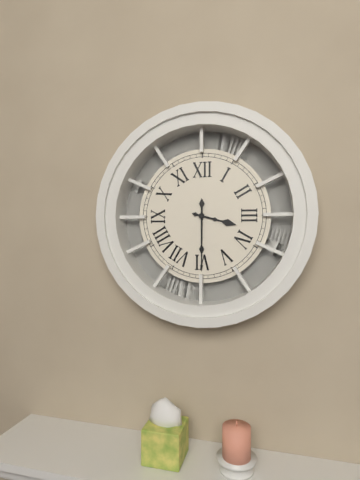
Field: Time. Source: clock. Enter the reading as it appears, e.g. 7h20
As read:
3h30
